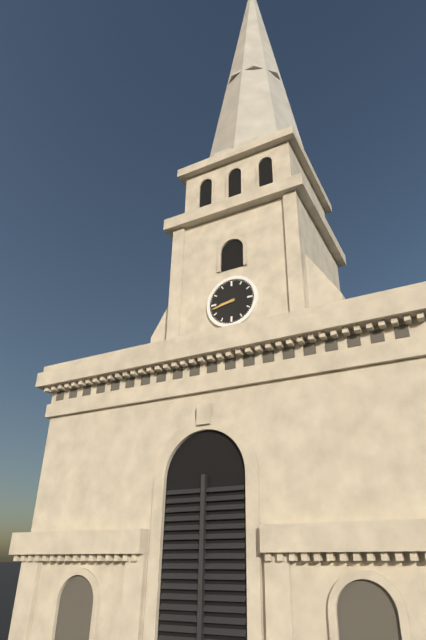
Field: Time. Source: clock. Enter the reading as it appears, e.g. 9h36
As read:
8h43
